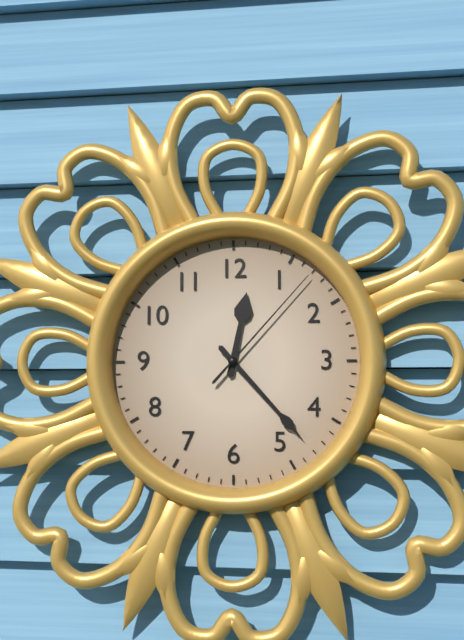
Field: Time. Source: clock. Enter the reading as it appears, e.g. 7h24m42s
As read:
12h23m07s
